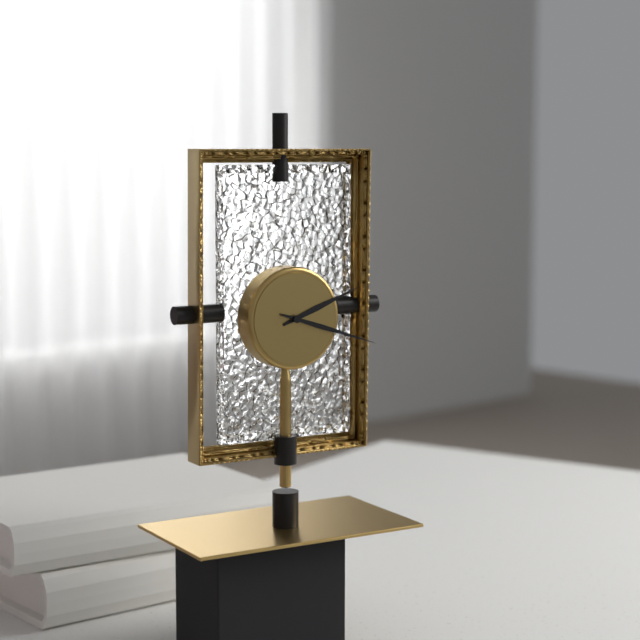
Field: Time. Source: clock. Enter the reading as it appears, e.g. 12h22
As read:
2h18
